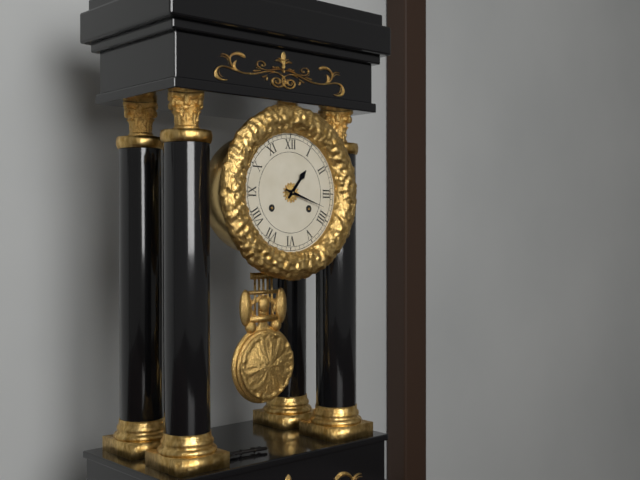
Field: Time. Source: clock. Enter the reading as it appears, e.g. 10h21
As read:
1h18
